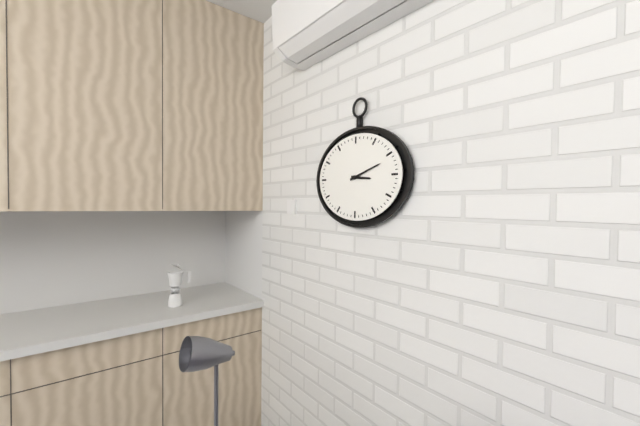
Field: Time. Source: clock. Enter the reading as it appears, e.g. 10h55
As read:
3h12
